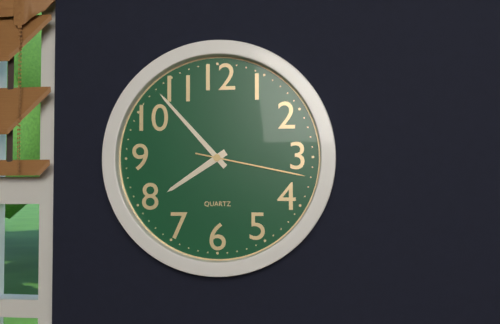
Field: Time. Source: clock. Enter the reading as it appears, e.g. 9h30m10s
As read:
7h53m17s
